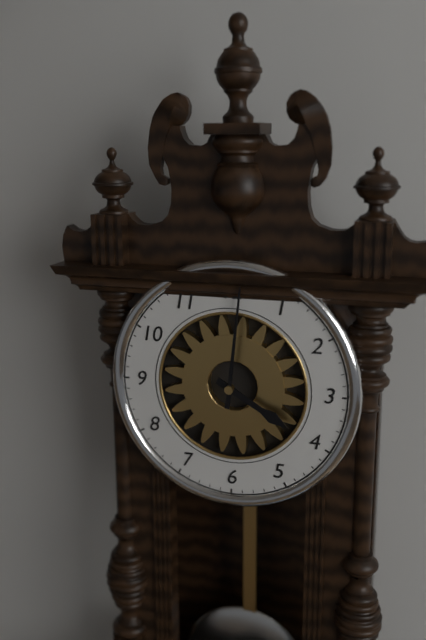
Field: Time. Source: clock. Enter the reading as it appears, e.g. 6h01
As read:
4h01
